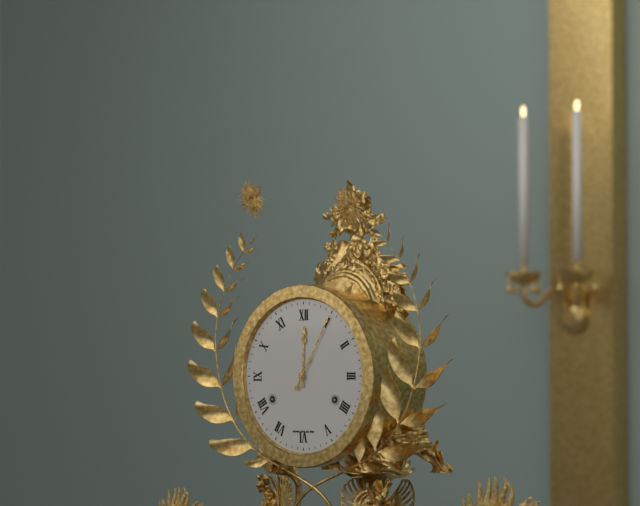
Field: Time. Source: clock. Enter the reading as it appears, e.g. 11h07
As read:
12h05
